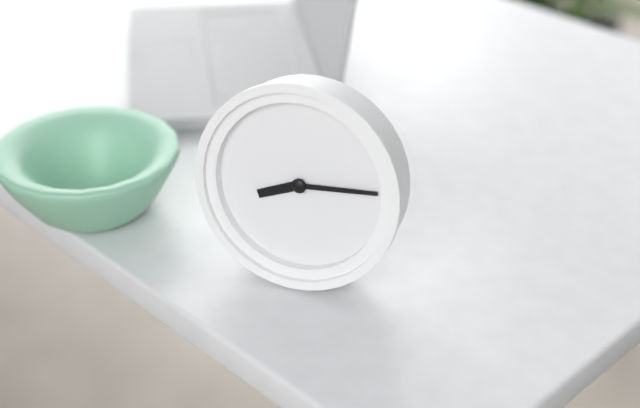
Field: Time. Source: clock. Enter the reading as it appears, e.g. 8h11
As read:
8h14
